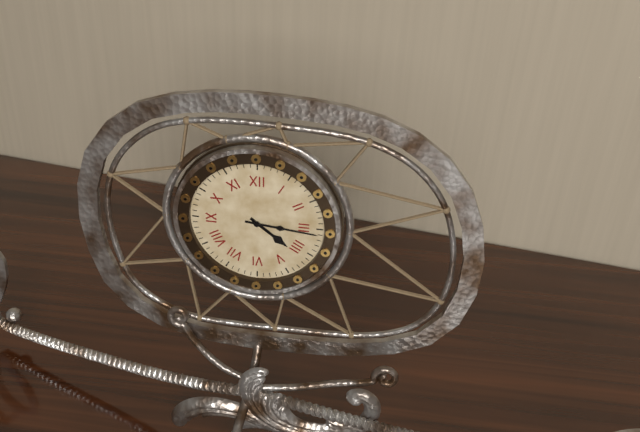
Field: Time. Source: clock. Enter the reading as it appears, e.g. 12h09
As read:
4h16
